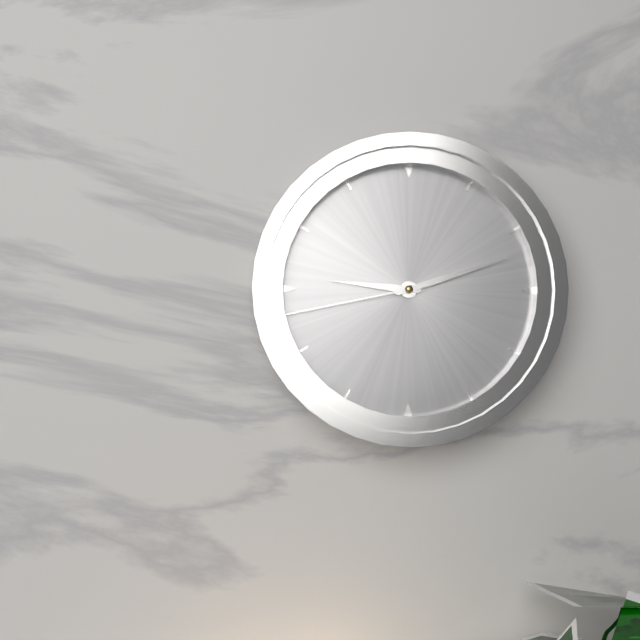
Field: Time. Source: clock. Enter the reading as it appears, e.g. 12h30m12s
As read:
9h12m43s
